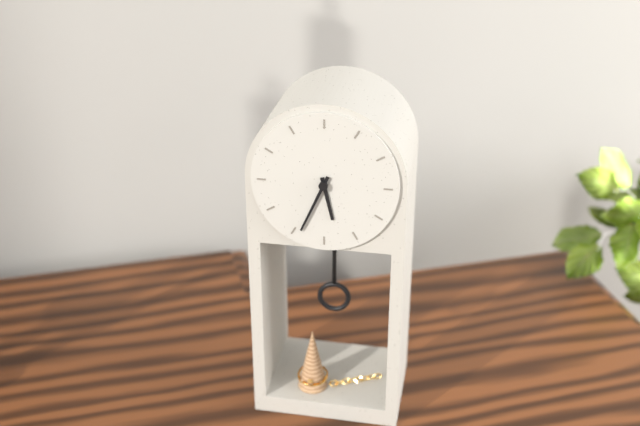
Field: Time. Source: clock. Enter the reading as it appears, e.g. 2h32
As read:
5h34
